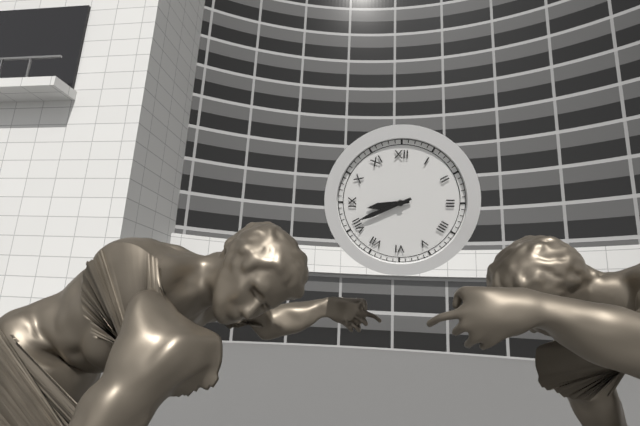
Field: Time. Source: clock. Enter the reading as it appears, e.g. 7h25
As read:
8h41
